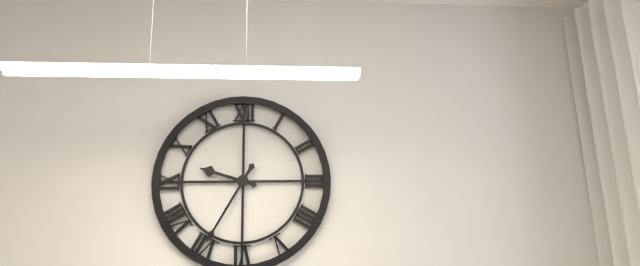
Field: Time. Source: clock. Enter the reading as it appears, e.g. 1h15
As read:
9h35
